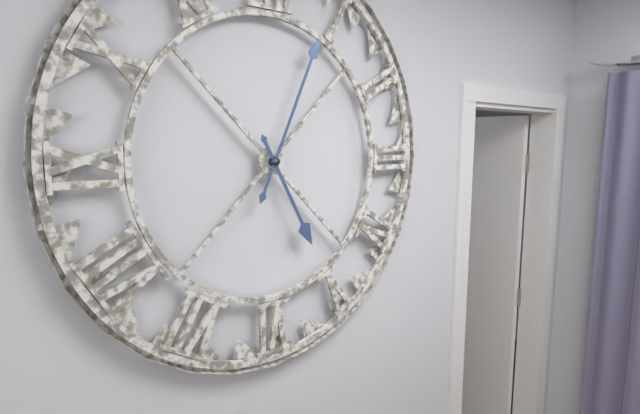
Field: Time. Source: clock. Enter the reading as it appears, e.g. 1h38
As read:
5h04
